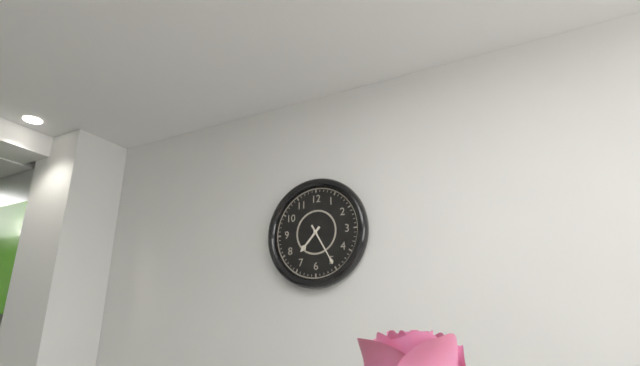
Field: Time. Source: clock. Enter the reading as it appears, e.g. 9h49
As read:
7h25
